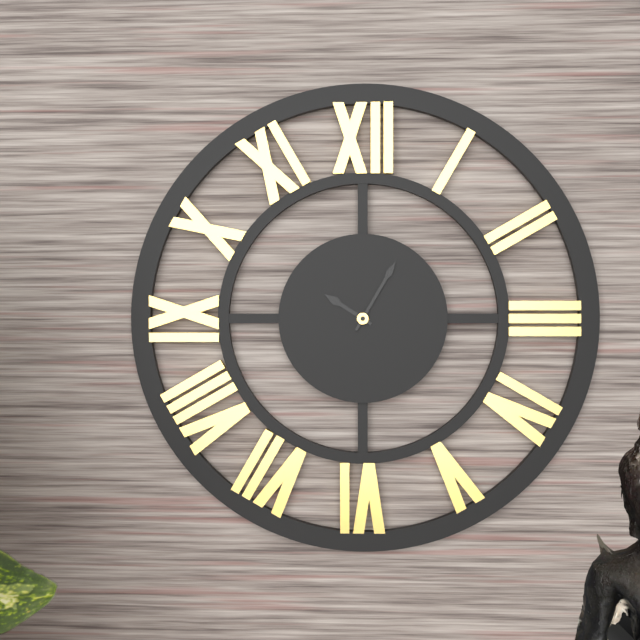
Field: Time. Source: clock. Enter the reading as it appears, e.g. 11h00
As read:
10h05
